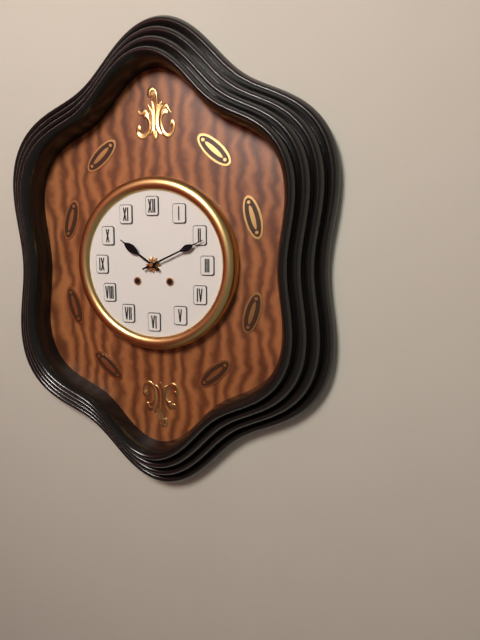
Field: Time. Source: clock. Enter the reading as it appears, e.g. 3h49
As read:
10h11
